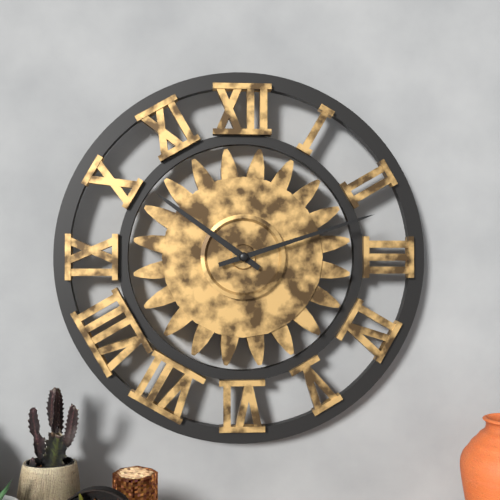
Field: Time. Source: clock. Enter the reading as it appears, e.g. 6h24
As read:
10h12
